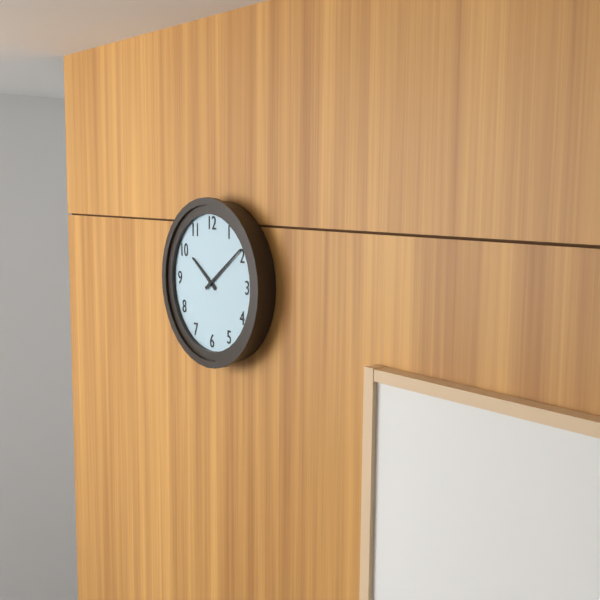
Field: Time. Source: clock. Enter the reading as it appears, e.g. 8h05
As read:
10h09
